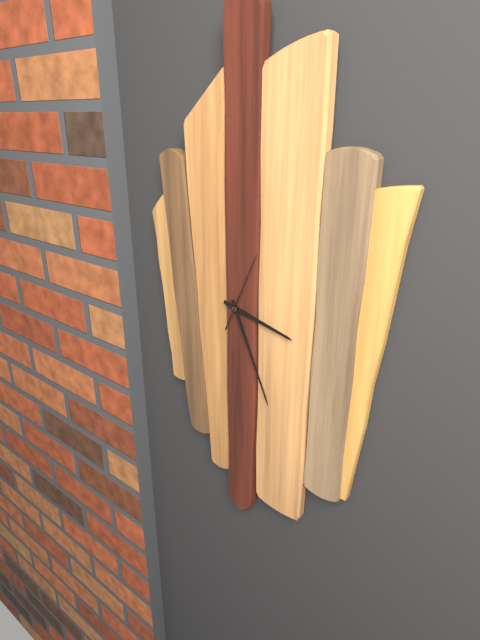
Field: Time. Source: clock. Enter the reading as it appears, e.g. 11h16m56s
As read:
3h26m04s
